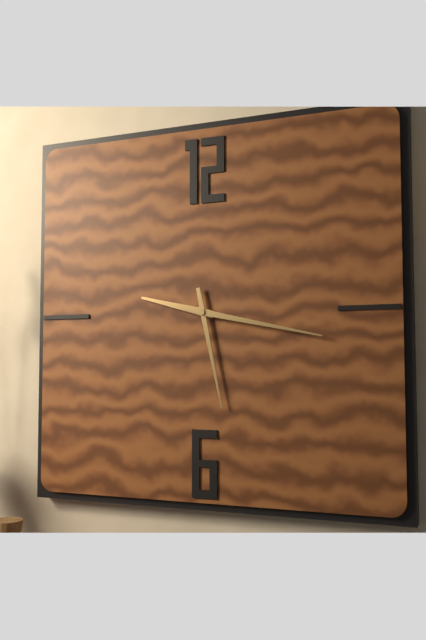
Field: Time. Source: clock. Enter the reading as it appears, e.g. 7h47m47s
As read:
9h28m17s
